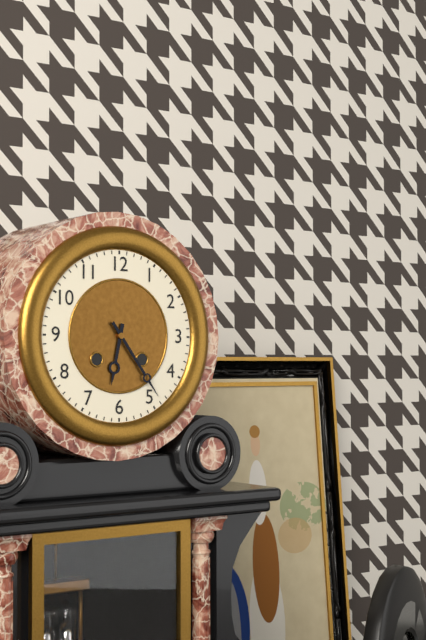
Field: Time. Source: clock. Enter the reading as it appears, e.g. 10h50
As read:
6h24
